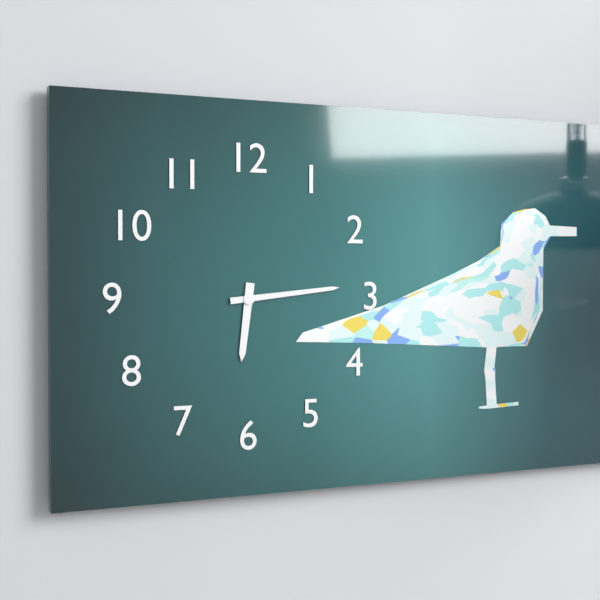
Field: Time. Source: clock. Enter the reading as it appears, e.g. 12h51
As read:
6h14
